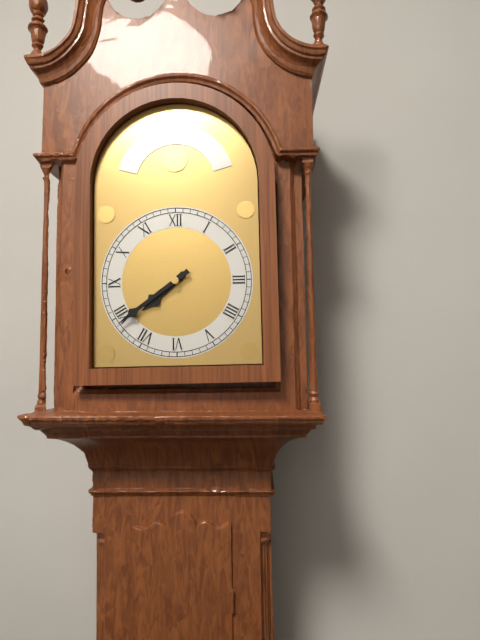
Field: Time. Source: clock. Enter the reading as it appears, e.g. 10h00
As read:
7h39
